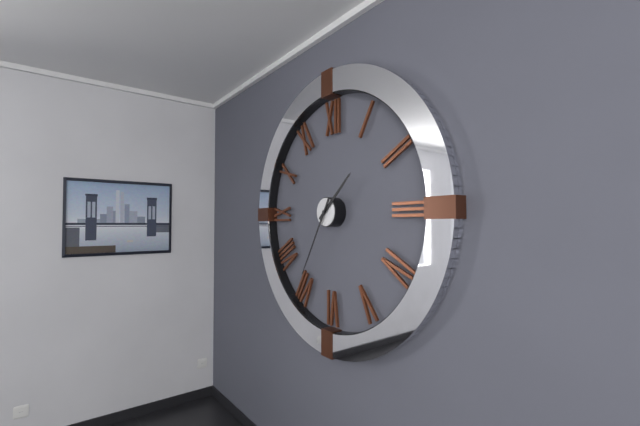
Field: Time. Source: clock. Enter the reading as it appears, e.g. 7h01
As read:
1h35
